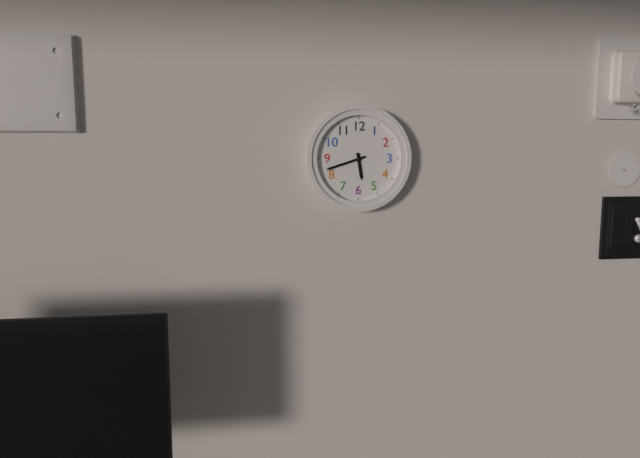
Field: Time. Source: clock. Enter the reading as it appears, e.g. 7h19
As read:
5h42
